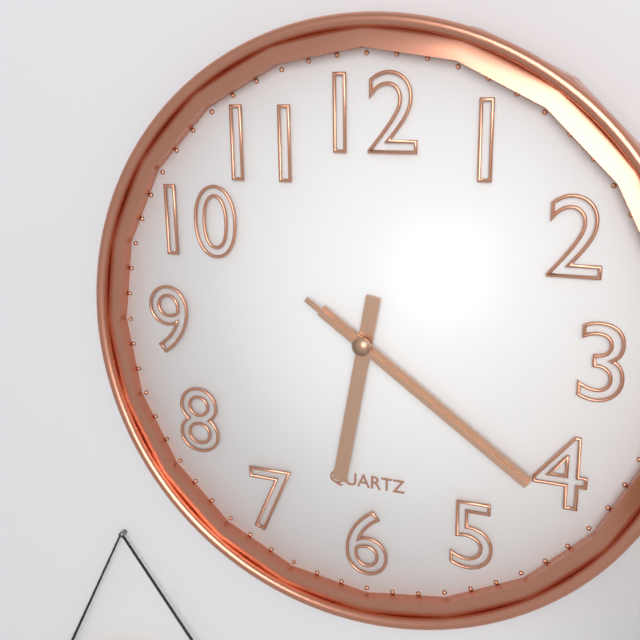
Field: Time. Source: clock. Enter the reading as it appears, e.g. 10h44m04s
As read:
6h21m21s
